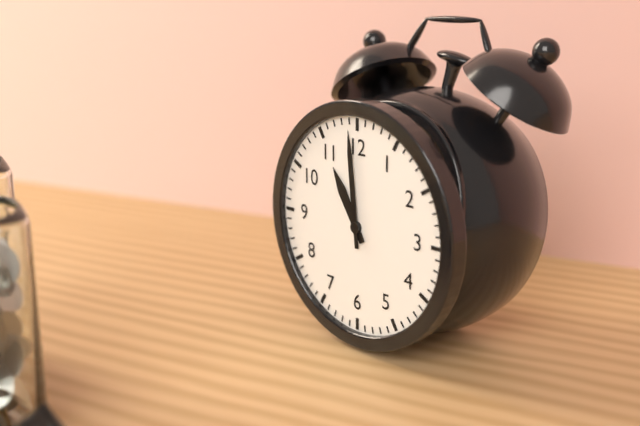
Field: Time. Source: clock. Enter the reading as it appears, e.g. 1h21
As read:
10h59
